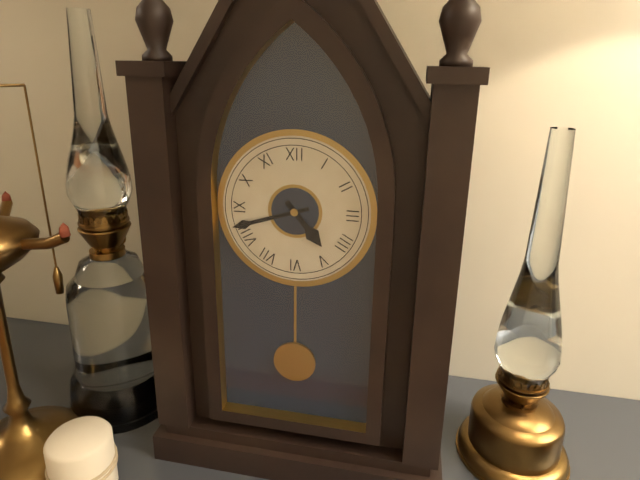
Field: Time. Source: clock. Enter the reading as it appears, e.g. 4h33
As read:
4h42
